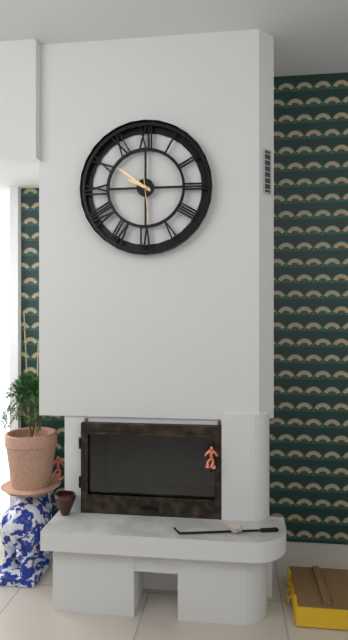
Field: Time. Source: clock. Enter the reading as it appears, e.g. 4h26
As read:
9h51
